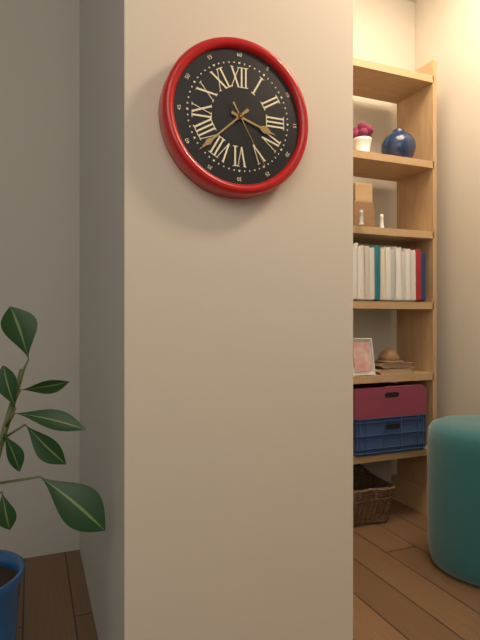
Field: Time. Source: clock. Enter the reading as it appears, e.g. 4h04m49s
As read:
3h38m25s
